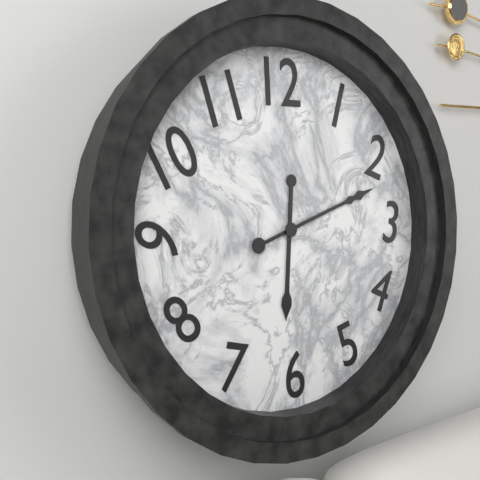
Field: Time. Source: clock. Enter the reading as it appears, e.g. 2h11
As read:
6h12
